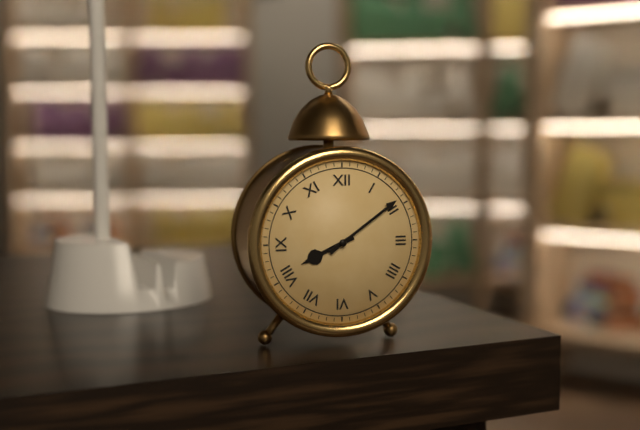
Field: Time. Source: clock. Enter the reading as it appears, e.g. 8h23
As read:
8h09
